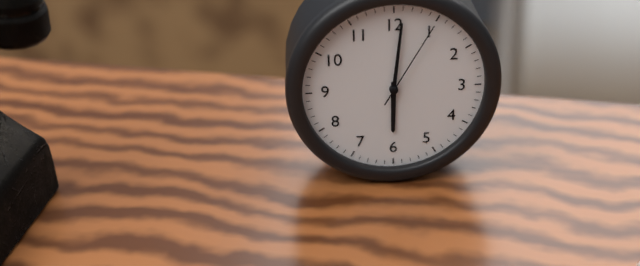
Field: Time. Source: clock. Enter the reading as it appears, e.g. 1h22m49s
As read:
6h01m05s
